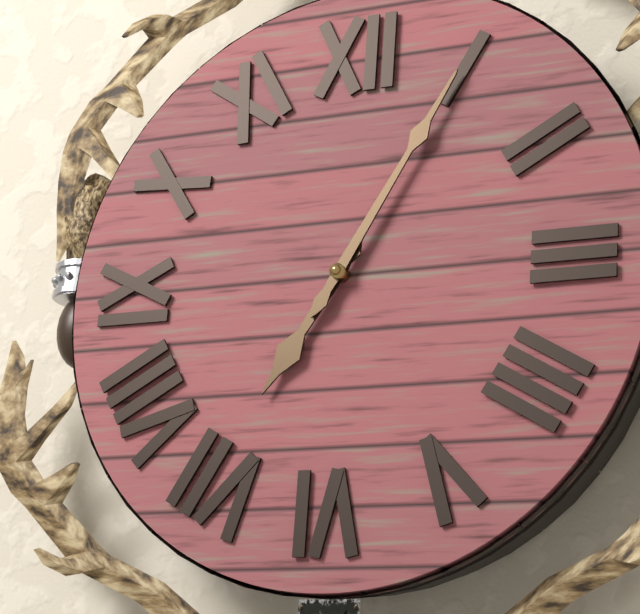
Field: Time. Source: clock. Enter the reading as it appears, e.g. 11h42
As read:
7h05
